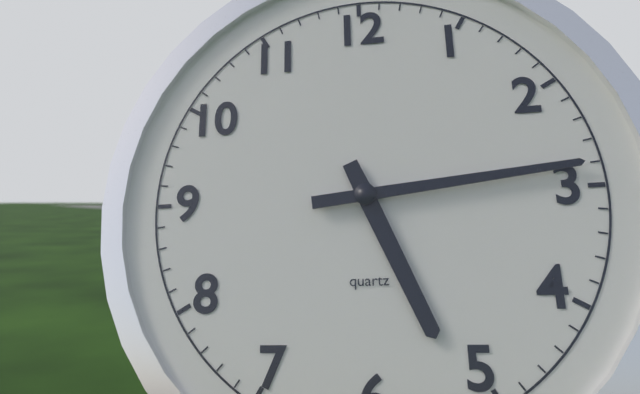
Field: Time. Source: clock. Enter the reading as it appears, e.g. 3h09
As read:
5h14
